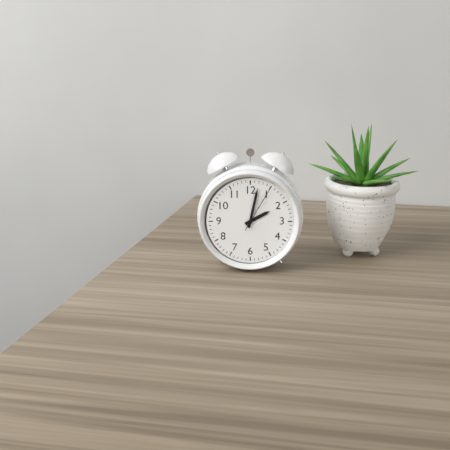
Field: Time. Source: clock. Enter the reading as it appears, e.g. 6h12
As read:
2h02
